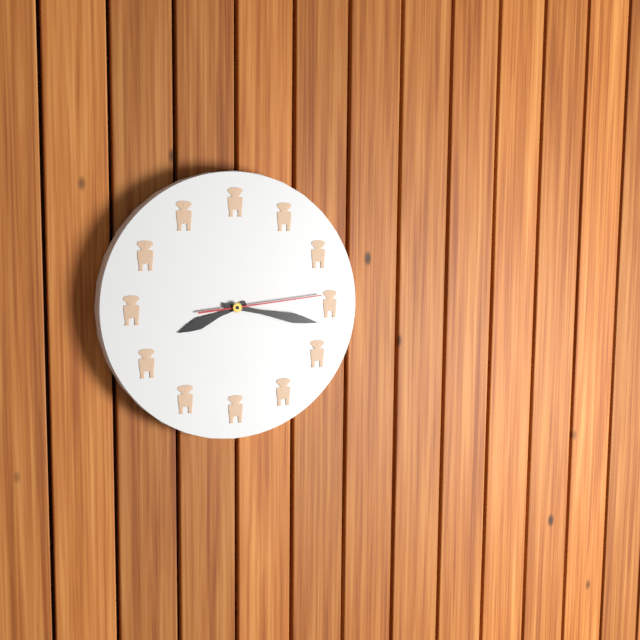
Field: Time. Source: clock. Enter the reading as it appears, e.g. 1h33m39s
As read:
8h17m14s
